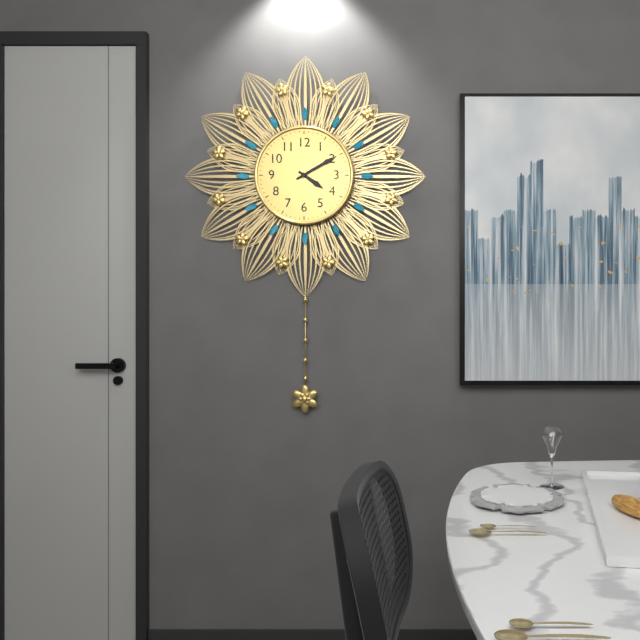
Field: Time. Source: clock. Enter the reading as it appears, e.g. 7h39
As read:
4h10
